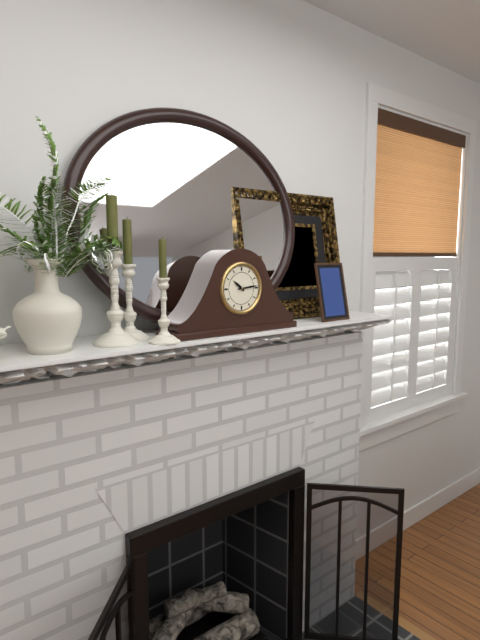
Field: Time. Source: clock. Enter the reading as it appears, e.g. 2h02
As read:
10h14
